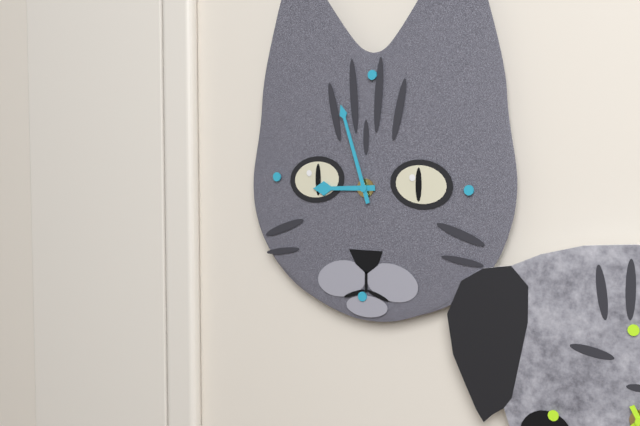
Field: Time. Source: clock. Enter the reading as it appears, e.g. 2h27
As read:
8h57
